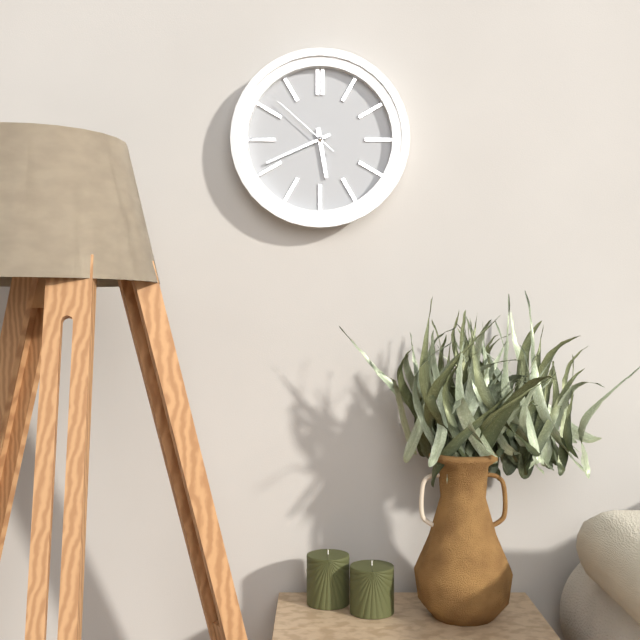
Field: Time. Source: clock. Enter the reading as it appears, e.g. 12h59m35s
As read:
5h41m52s
